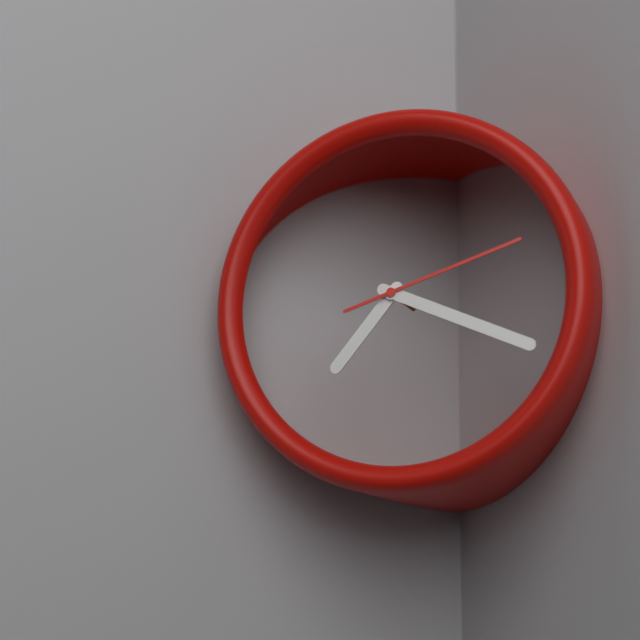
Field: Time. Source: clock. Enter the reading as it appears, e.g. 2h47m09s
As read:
7h19m12s
